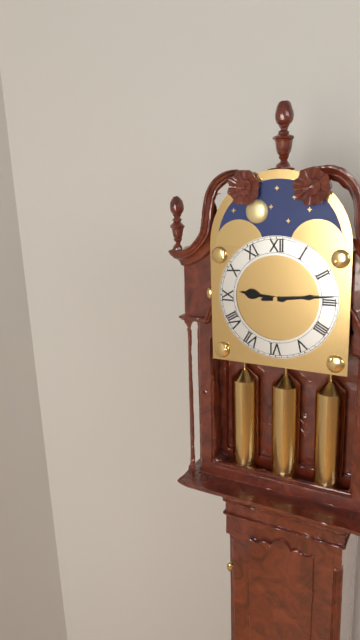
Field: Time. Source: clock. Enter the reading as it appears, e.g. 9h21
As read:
9h14
